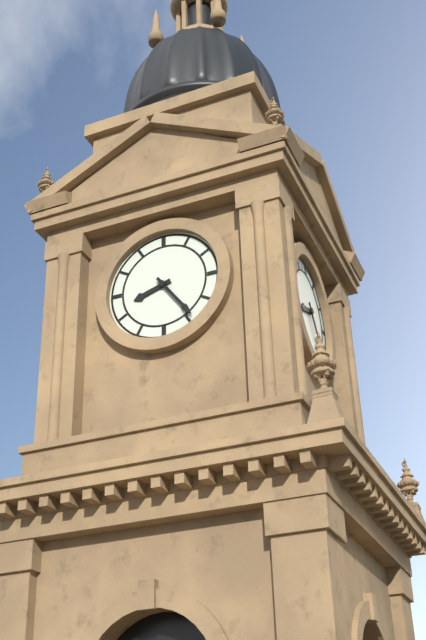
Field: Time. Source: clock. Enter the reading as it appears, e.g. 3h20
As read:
8h24
